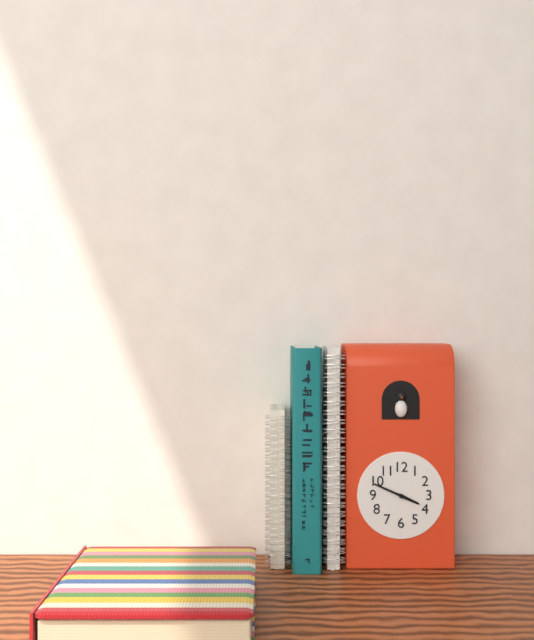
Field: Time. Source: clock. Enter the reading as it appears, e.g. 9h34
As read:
3h49
